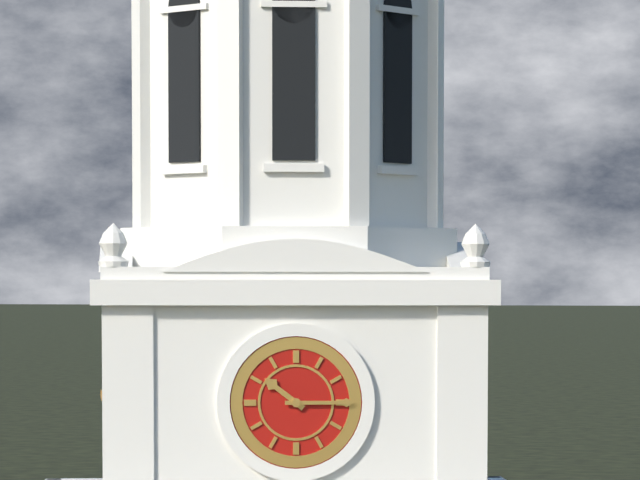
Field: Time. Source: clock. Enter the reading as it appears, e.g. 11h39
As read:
10h15
